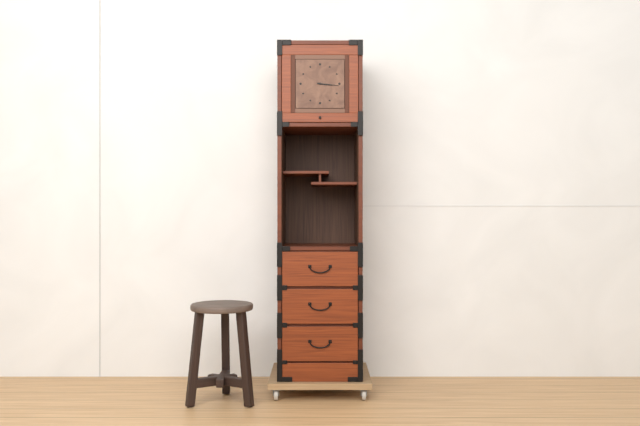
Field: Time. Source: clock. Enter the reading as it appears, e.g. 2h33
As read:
3h16
